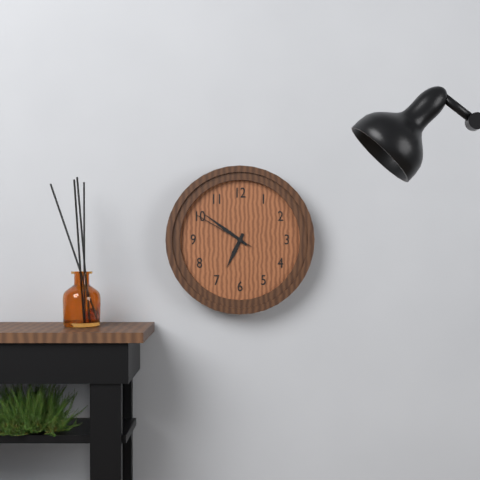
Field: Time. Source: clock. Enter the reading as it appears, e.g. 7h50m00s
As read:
6h51m50s
